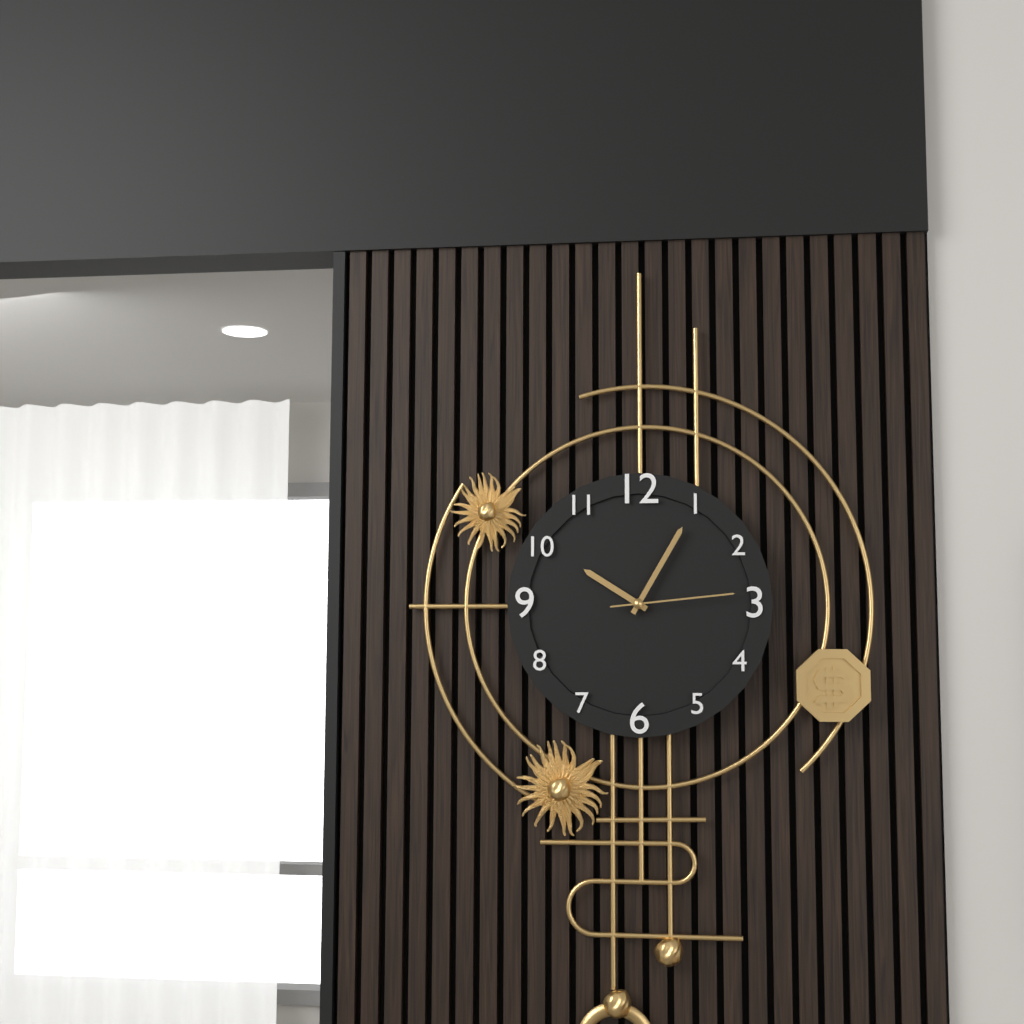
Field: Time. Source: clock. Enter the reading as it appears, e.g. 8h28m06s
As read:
10h05m14s
